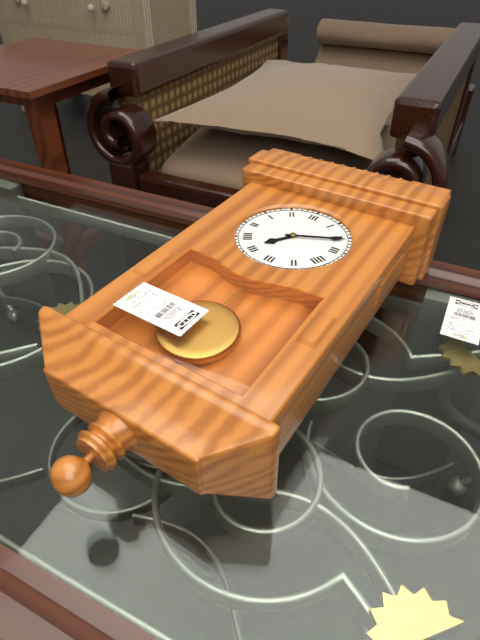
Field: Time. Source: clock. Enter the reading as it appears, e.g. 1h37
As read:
7h11
